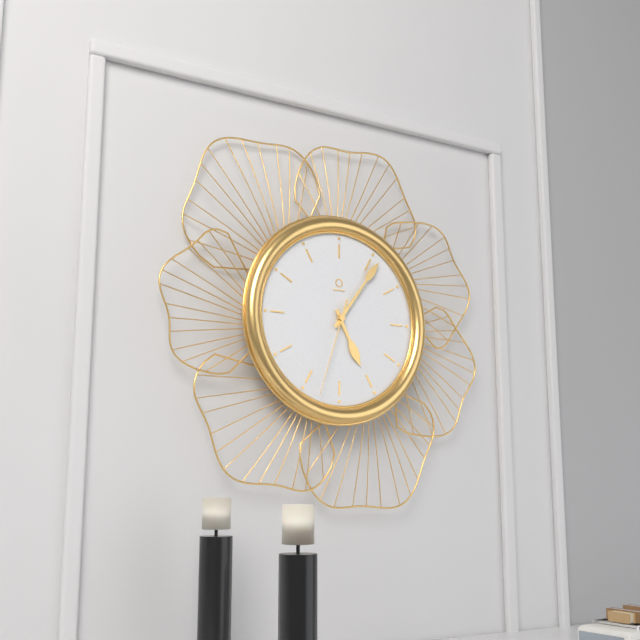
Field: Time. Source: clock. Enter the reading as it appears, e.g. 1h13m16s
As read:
5h06m33s
